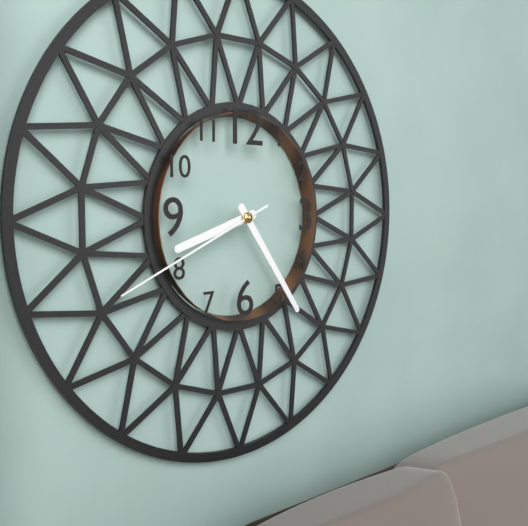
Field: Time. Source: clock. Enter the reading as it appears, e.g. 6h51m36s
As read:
8h24m41s
